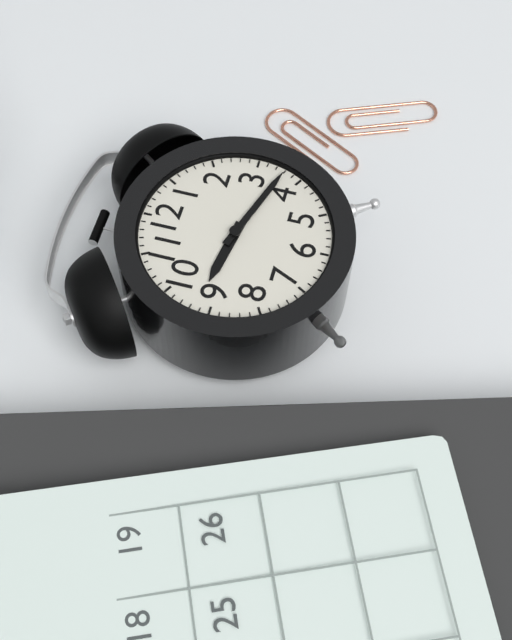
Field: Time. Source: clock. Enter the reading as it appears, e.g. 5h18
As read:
9h18
